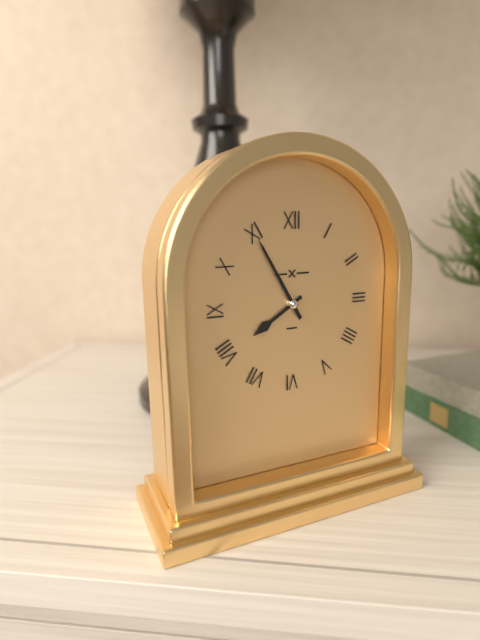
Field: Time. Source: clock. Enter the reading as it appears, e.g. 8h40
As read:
7h55
